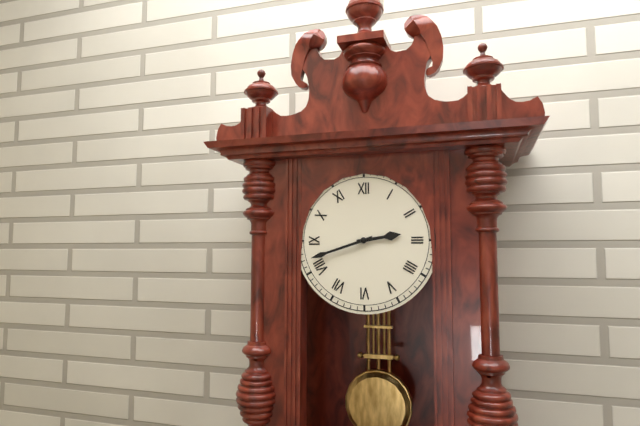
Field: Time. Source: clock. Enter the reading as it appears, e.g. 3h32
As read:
2h42
